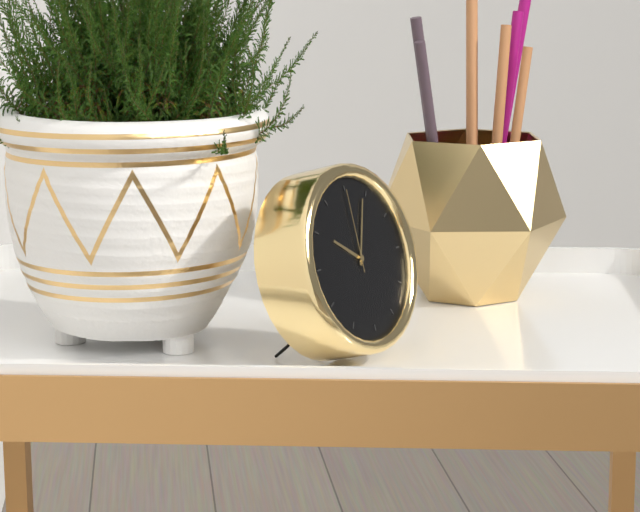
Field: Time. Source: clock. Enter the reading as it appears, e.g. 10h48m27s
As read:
10h04m00s
